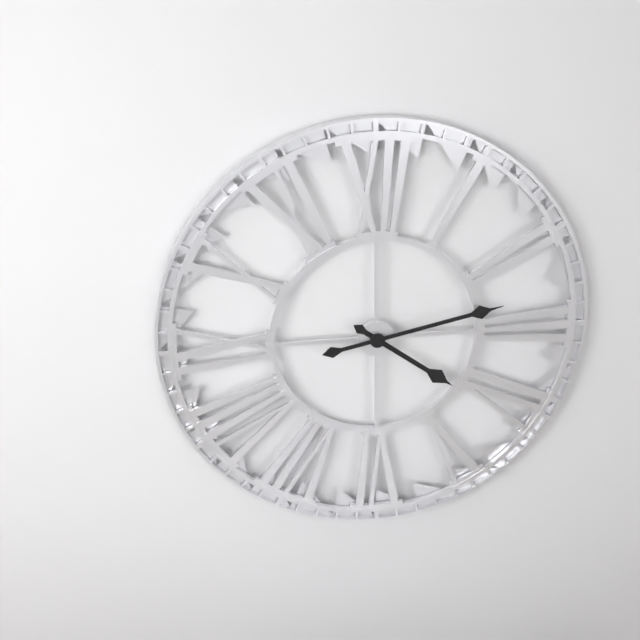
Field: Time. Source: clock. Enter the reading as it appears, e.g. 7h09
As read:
4h13
